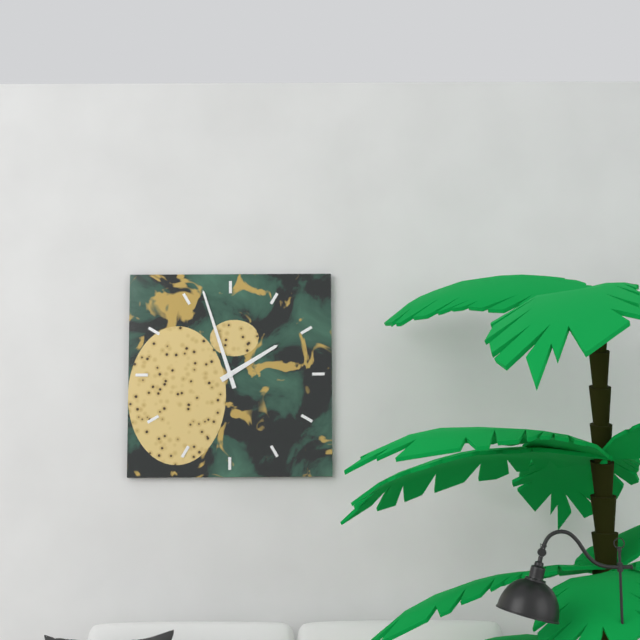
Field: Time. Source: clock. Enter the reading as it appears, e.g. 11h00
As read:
1h57
